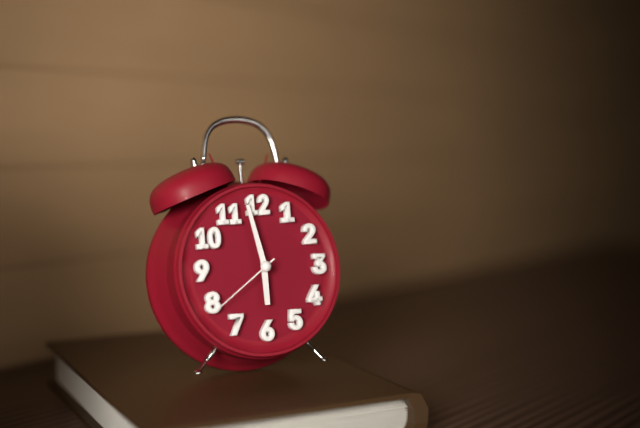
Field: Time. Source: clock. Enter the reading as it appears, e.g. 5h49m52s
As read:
5h58m39s
